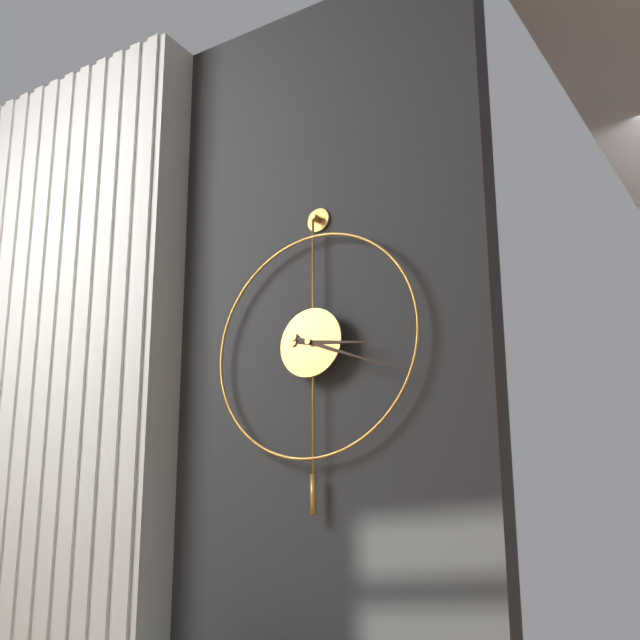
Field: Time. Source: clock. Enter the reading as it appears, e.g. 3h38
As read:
3h19
